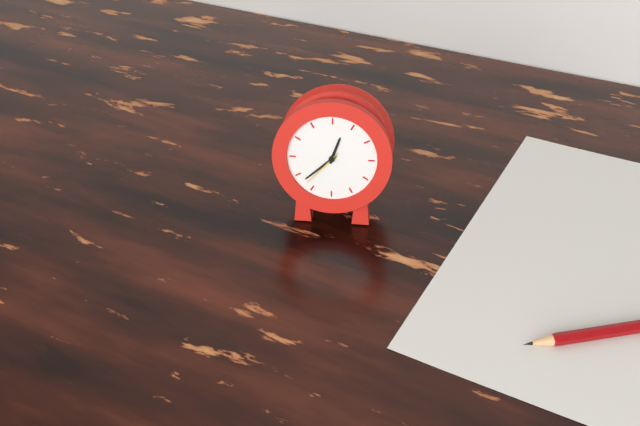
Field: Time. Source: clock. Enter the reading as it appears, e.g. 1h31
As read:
12h38
